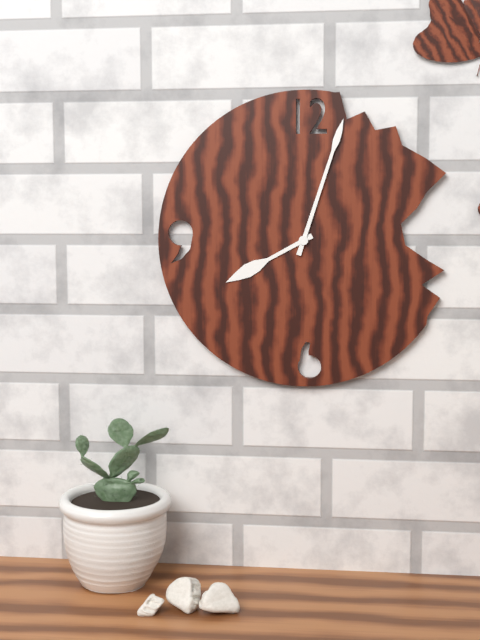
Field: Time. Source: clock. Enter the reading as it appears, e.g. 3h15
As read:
8h03
